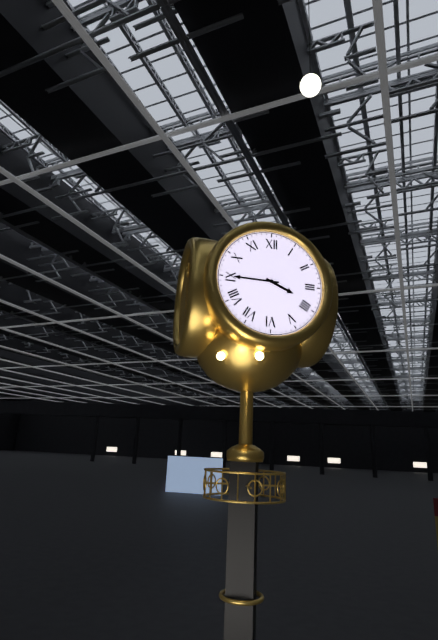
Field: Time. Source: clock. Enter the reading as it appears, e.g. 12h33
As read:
3h45
